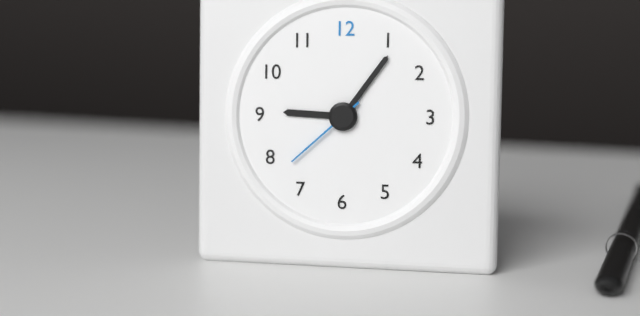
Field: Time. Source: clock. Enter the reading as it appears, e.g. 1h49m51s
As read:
9h06m38s
